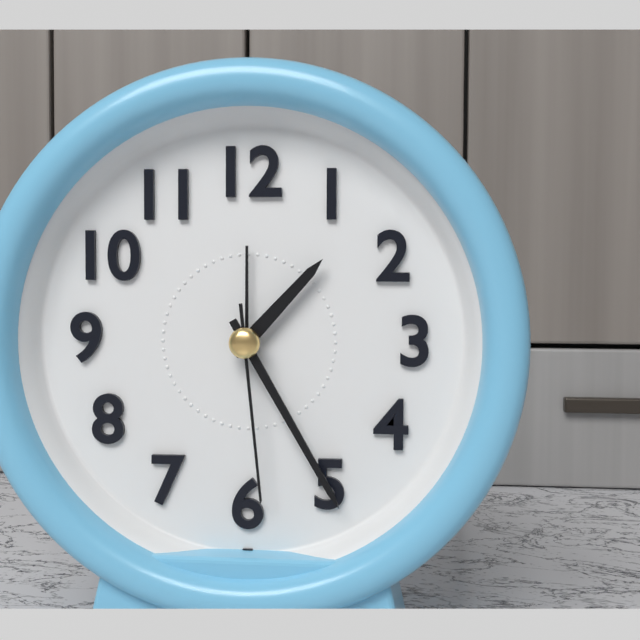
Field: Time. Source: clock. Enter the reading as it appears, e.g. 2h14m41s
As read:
1h25m29s
